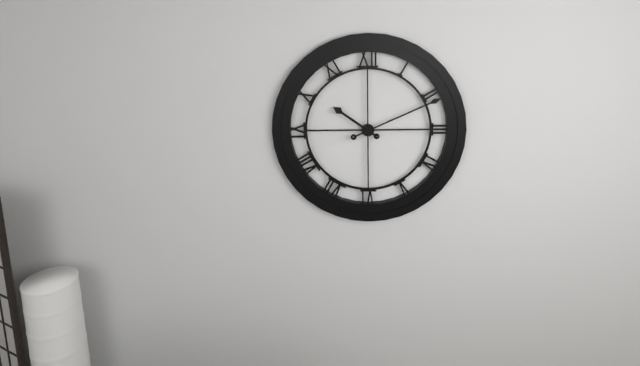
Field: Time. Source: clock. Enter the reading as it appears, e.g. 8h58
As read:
10h11
